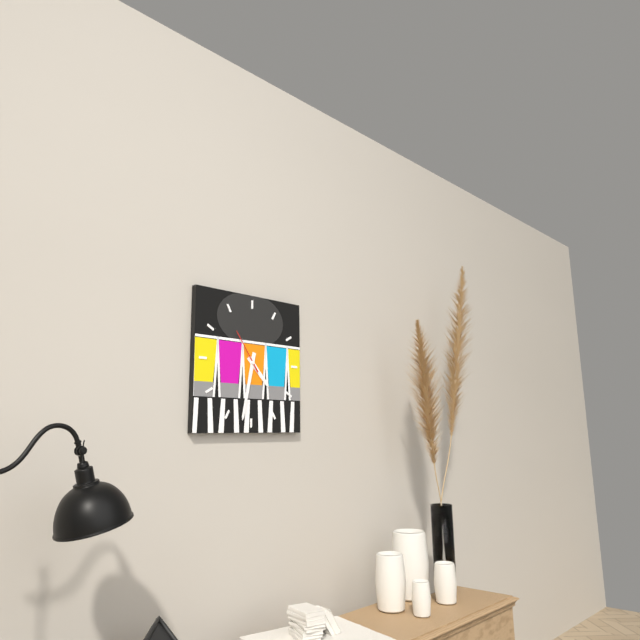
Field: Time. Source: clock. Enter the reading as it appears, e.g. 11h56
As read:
4h32
